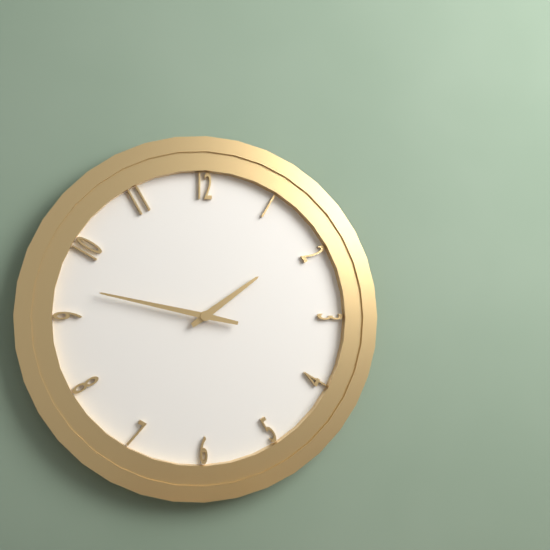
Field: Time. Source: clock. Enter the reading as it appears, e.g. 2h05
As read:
1h47
